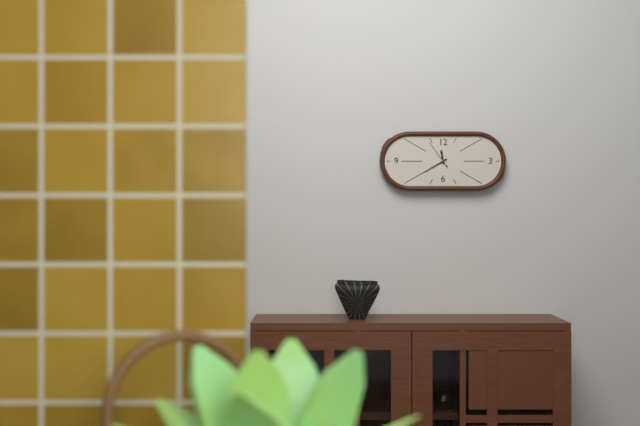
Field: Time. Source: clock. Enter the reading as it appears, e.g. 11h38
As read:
11h40
